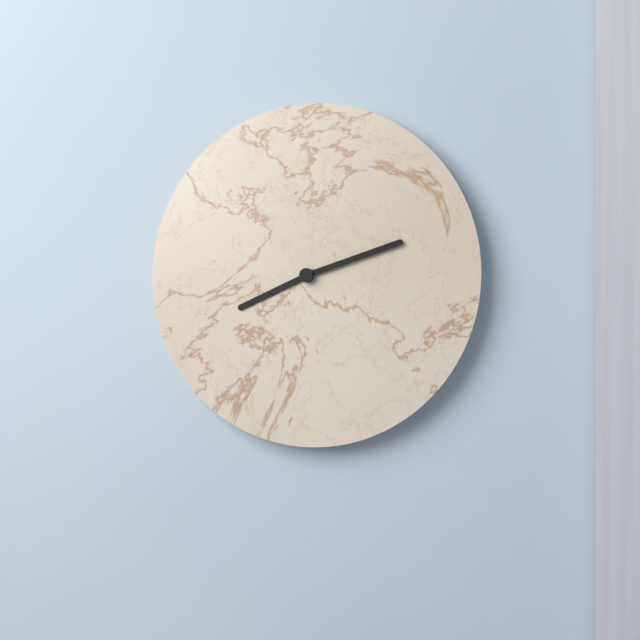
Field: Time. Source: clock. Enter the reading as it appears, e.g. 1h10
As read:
8h12
